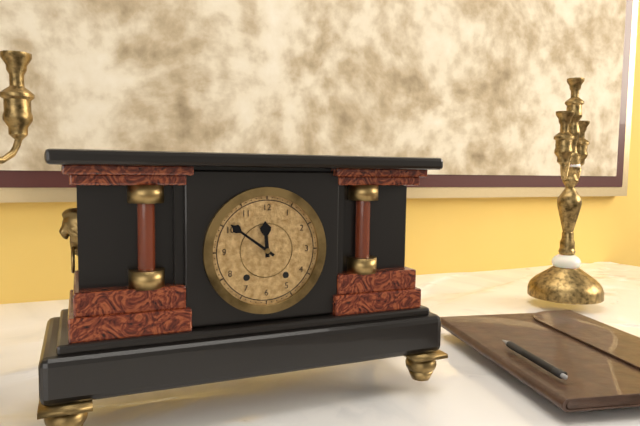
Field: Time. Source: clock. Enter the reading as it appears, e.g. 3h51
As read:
11h51
